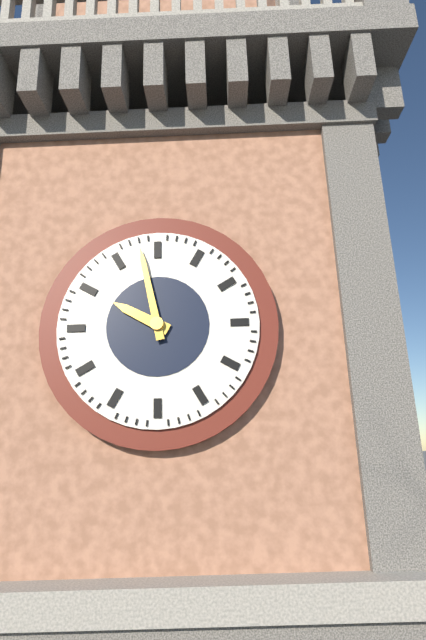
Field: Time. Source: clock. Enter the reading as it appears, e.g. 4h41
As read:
9h58
